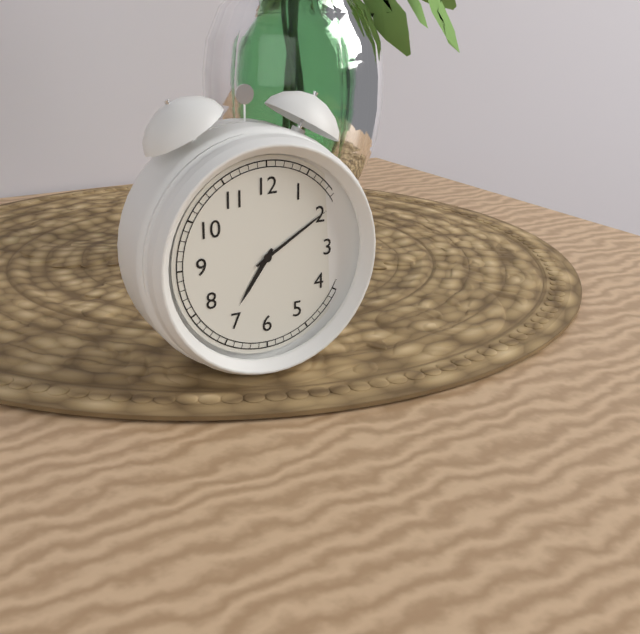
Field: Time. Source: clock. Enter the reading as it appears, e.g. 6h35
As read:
7h10
